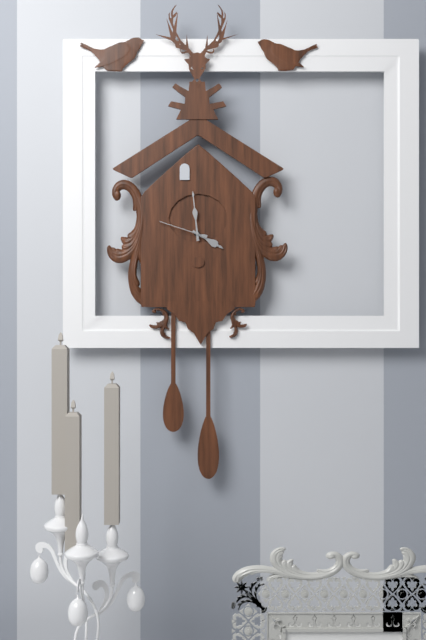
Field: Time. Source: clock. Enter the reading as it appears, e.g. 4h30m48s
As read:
3h59m48s
